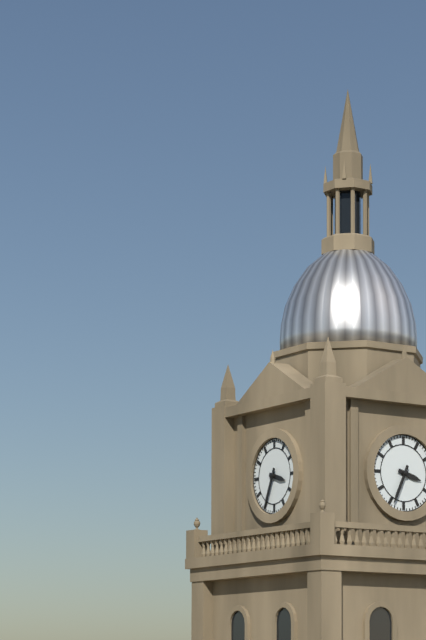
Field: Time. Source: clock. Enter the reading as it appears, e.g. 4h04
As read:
3h34
